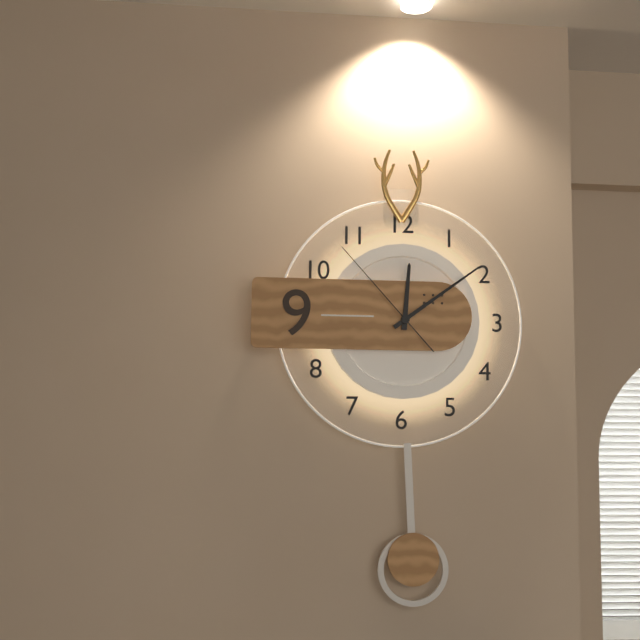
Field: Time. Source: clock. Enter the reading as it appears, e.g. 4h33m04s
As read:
12h09m53s
